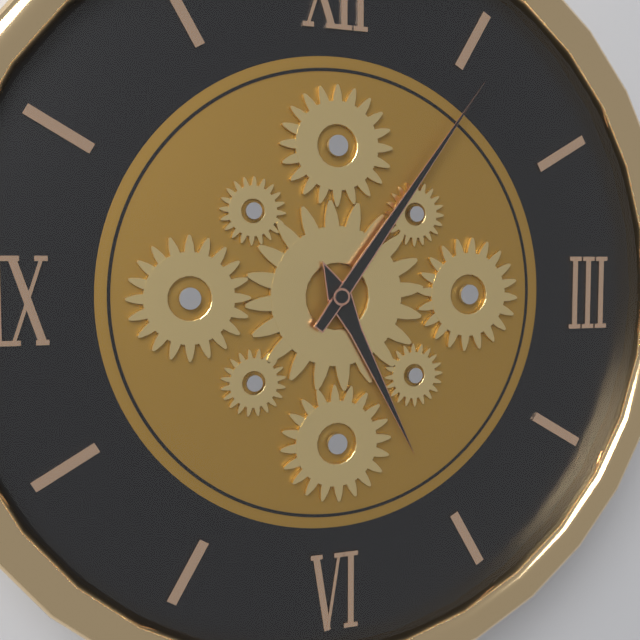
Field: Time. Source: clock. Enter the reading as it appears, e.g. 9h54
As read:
5h06
